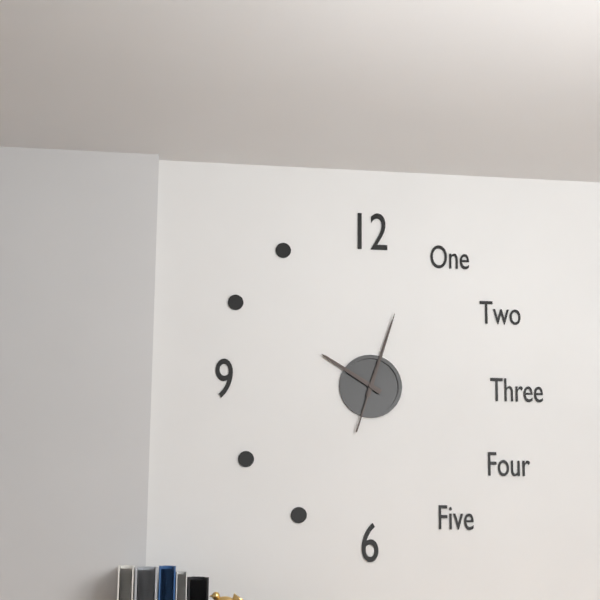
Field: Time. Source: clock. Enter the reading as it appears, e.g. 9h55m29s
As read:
10h03m03s
